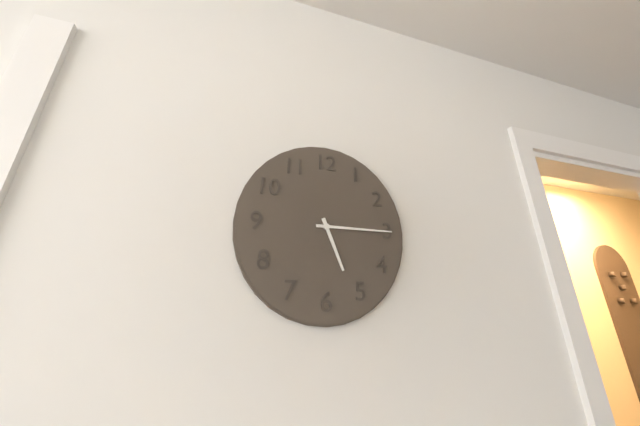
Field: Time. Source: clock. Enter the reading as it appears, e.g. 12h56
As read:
5h15
